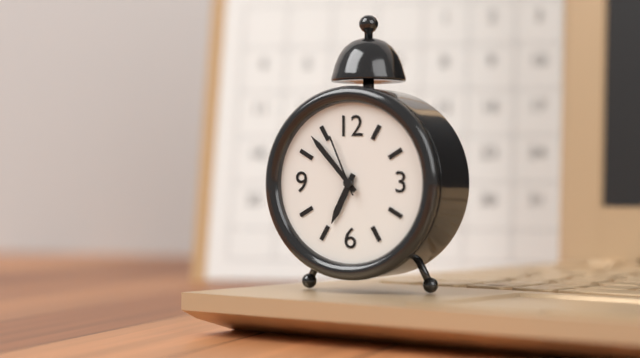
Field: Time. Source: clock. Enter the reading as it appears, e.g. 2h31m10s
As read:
6h53m56s
